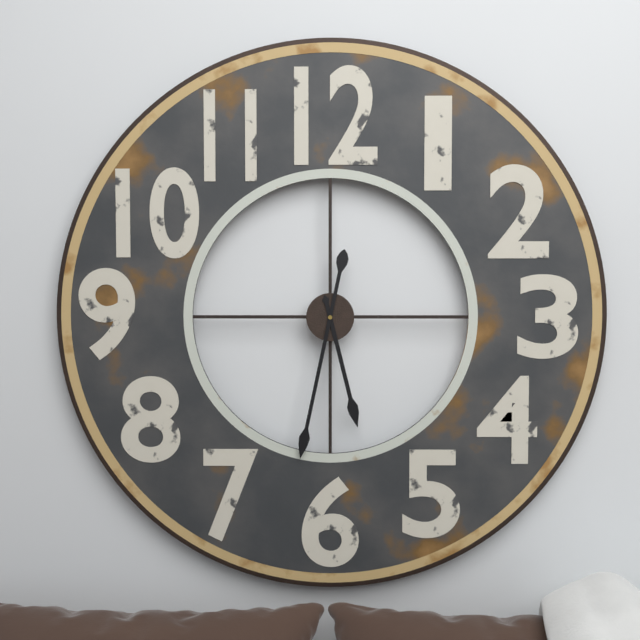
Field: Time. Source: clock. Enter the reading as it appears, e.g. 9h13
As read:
5h32
